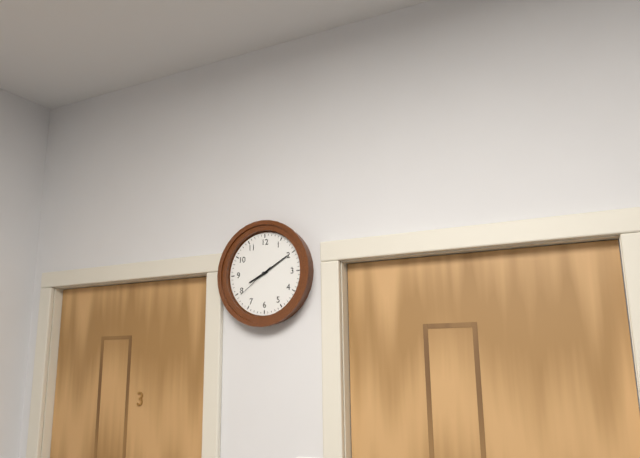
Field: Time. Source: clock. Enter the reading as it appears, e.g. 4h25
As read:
8h10
